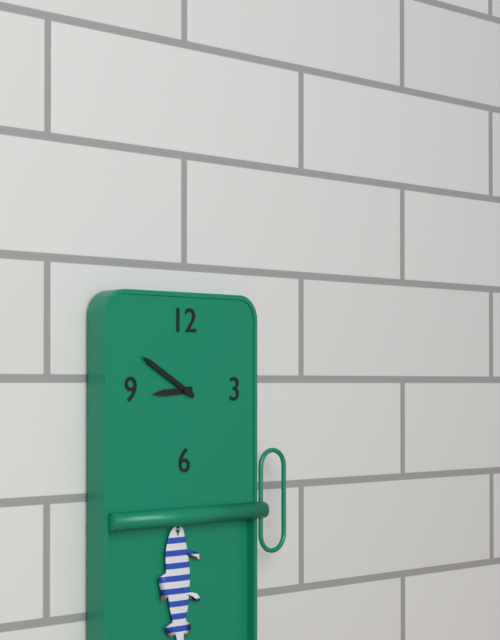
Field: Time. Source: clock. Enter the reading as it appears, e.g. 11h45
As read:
8h50
